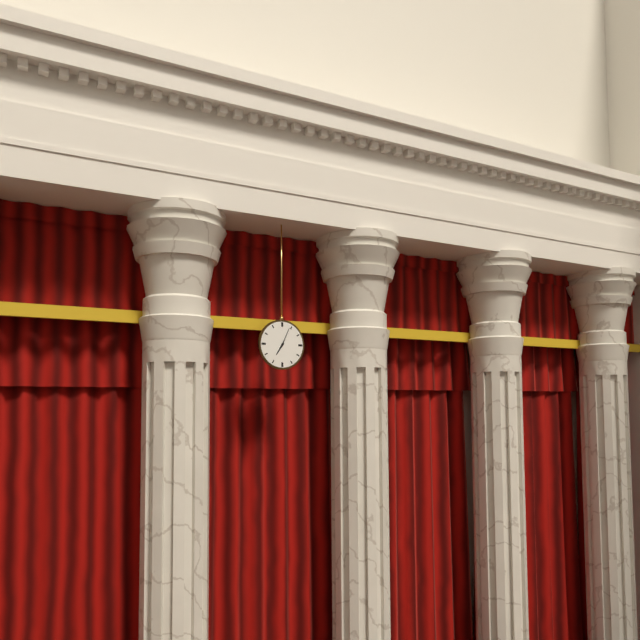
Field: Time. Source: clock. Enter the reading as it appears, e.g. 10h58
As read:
7h04
